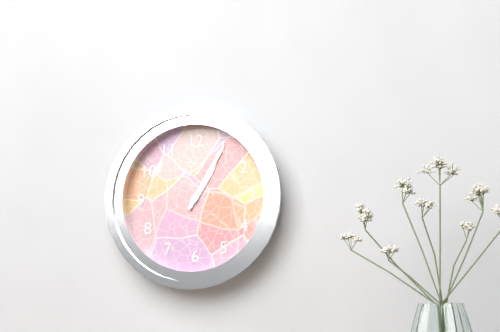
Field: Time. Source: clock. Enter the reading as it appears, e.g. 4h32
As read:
1h05
